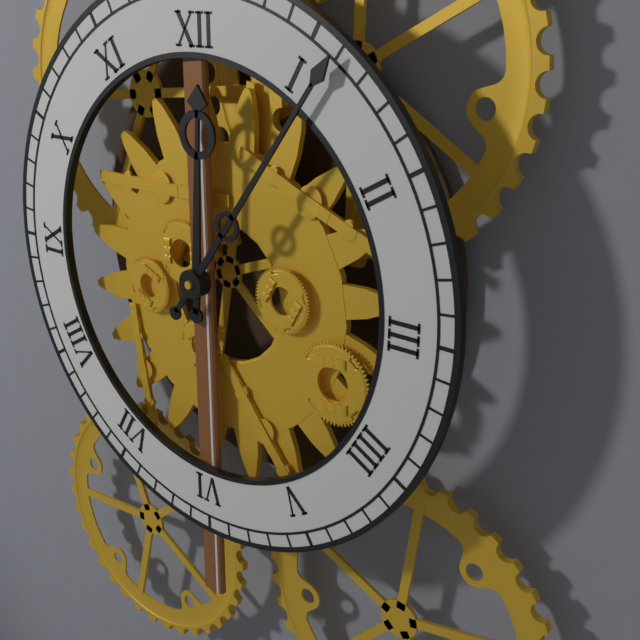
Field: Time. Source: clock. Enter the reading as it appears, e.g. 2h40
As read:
12h06
